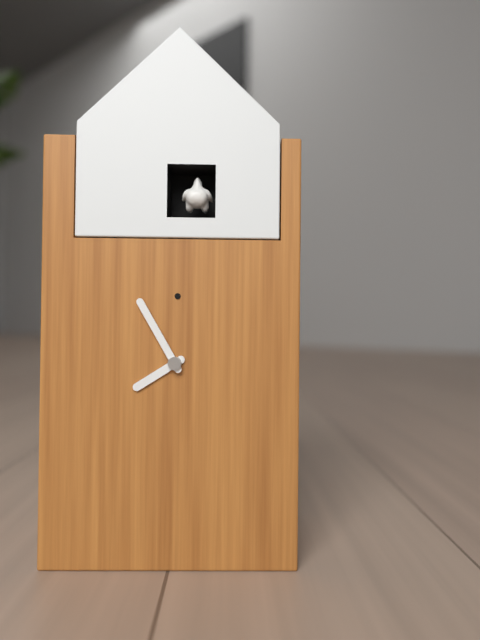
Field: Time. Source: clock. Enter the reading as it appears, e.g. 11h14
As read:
7h55
